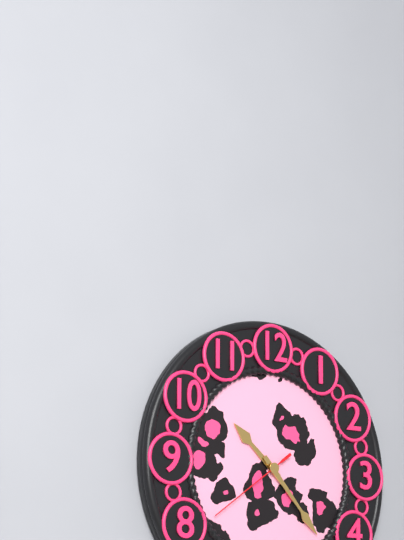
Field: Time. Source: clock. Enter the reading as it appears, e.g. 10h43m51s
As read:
10h23m39s
